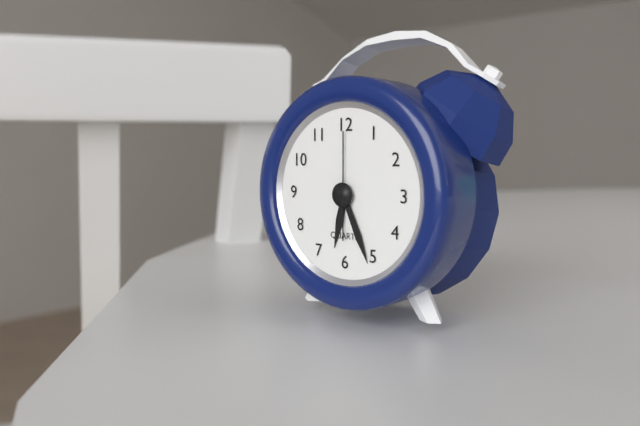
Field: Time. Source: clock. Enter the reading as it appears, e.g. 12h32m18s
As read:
6h26m00s
